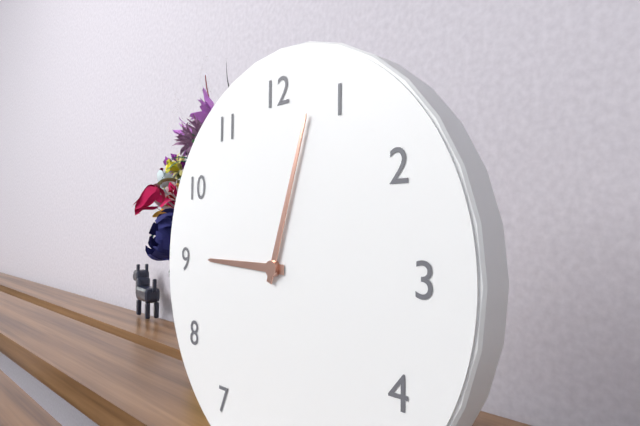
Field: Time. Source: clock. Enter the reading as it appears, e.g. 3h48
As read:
9h03
